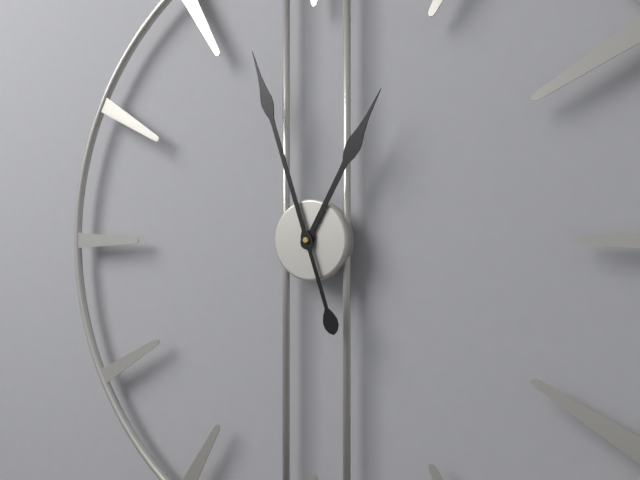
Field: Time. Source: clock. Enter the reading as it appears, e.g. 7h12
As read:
12h57
